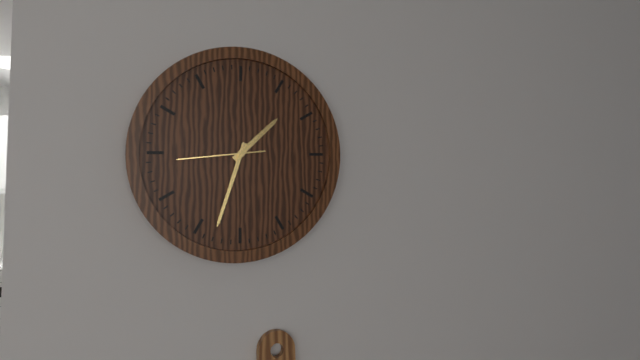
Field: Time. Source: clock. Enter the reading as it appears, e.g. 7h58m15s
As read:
1h33m44s
